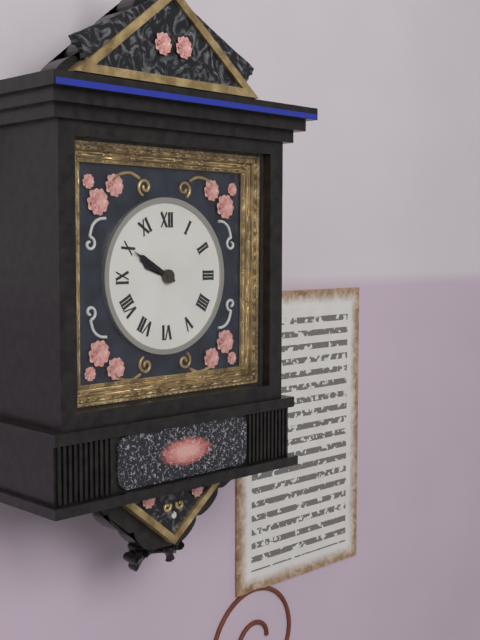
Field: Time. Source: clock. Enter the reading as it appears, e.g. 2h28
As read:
9h50
